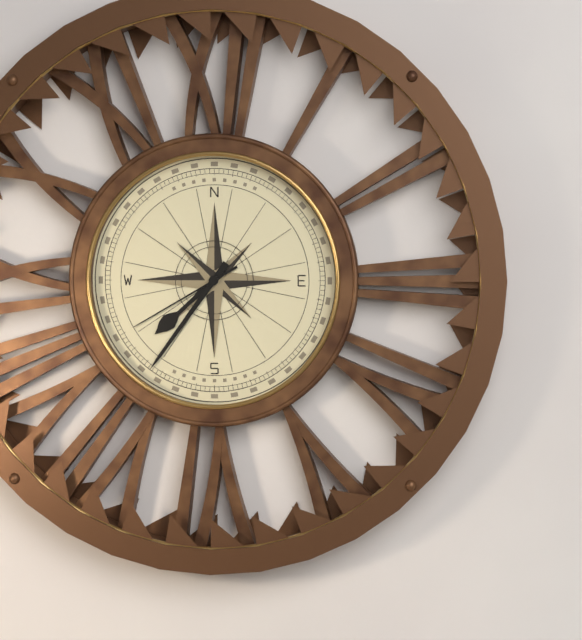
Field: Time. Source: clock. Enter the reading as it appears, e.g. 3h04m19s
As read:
7h36m40s
